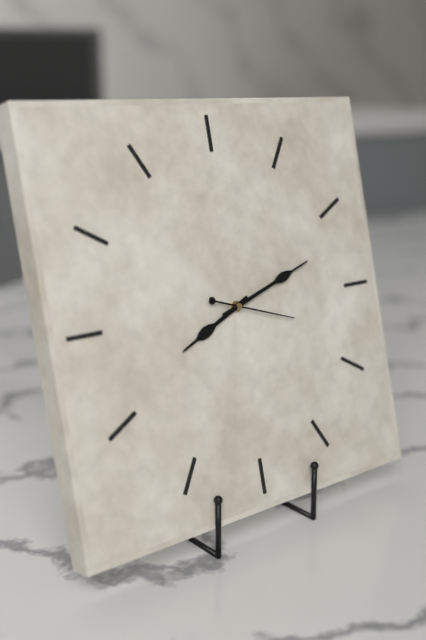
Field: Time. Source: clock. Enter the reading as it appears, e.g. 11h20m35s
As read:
8h12m18s
